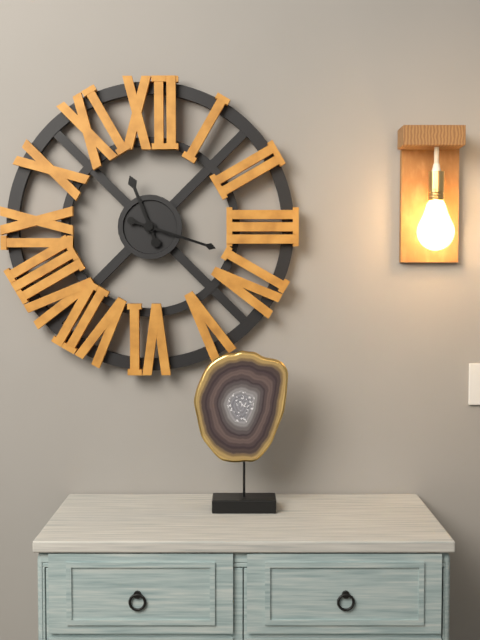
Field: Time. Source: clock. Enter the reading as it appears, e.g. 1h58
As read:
11h18
